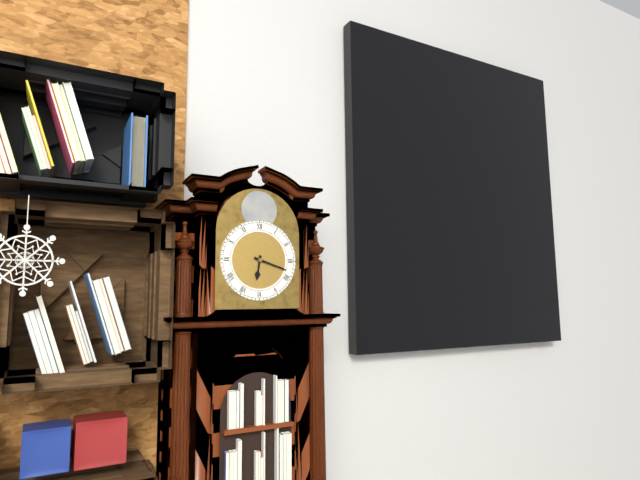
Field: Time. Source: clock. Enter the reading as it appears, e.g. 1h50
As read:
6h18
